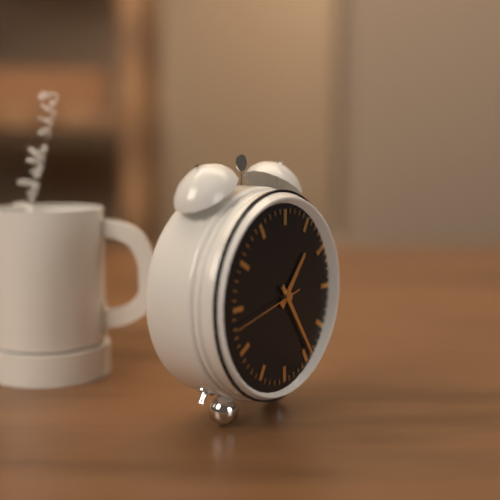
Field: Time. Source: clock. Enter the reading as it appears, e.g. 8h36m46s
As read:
1h24m43s
